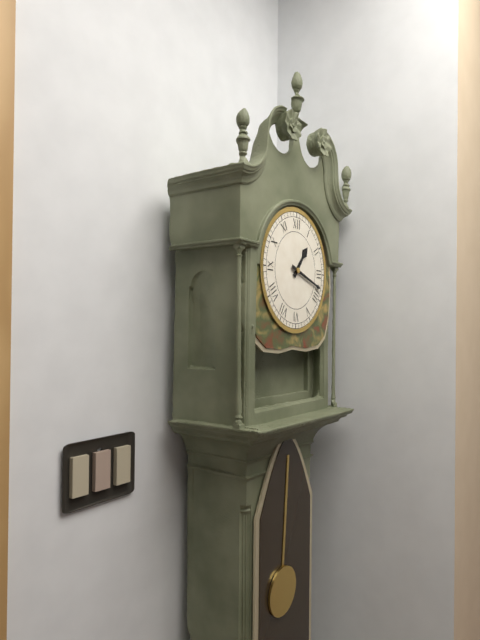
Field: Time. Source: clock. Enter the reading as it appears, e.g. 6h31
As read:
1h18
